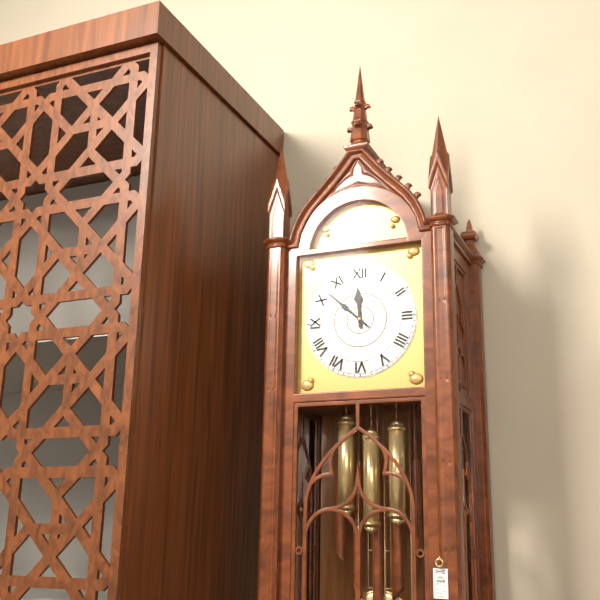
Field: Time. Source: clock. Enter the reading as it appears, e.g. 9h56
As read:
11h52
